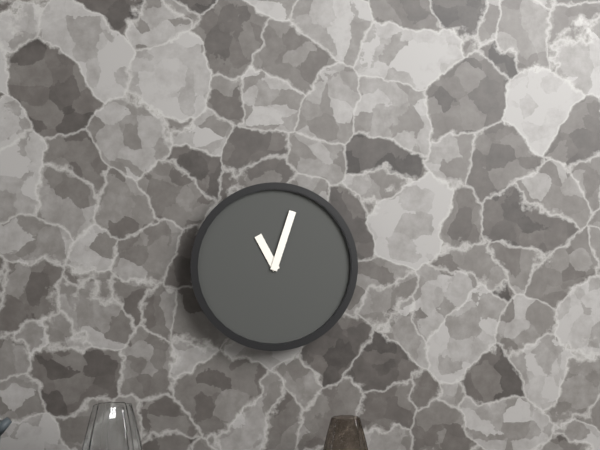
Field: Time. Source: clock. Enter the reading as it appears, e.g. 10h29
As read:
11h03
